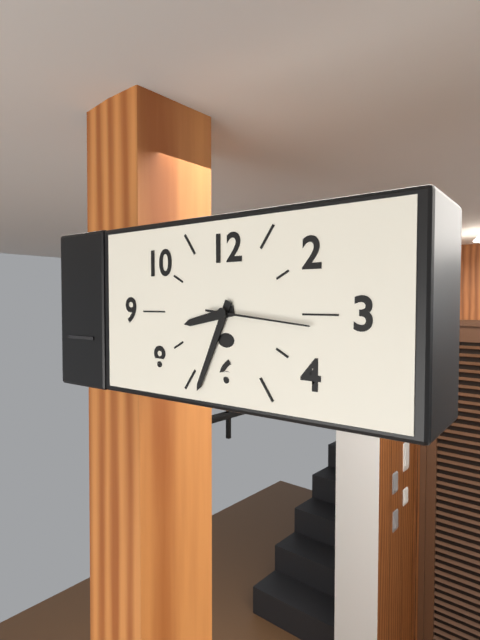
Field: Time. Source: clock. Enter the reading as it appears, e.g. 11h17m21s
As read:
8h34m16s
